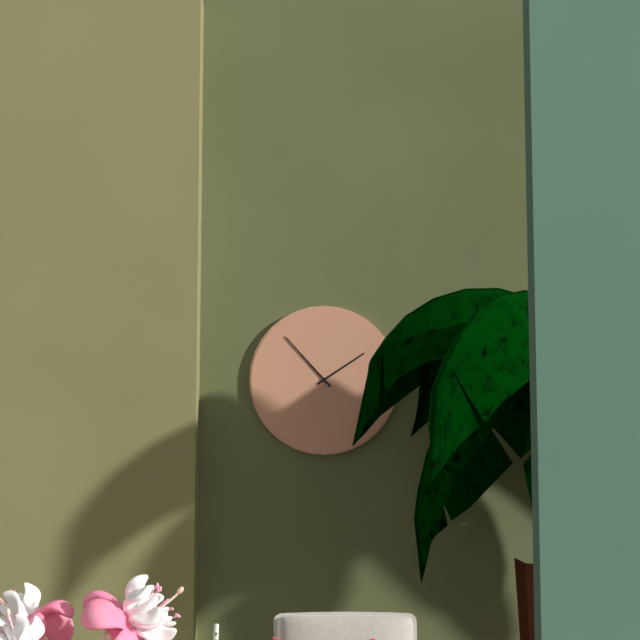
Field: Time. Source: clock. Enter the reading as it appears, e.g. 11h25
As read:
1h53
